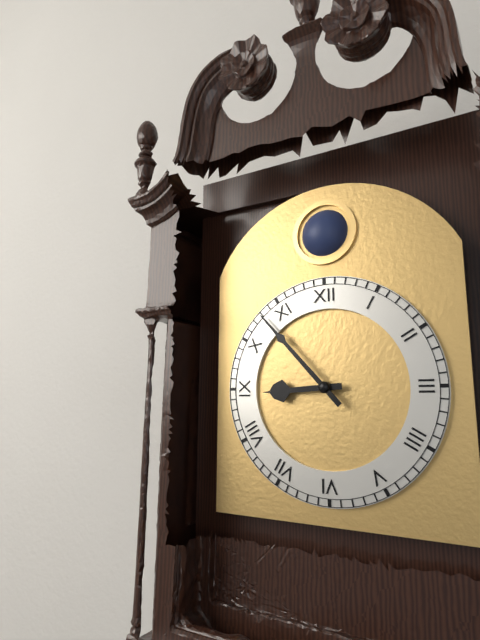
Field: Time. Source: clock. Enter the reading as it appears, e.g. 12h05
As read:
8h53
